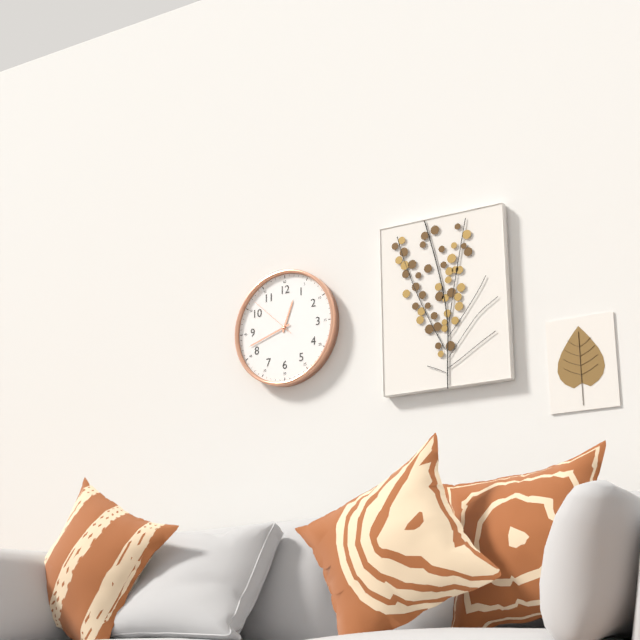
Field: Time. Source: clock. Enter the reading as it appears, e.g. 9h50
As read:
12h42
